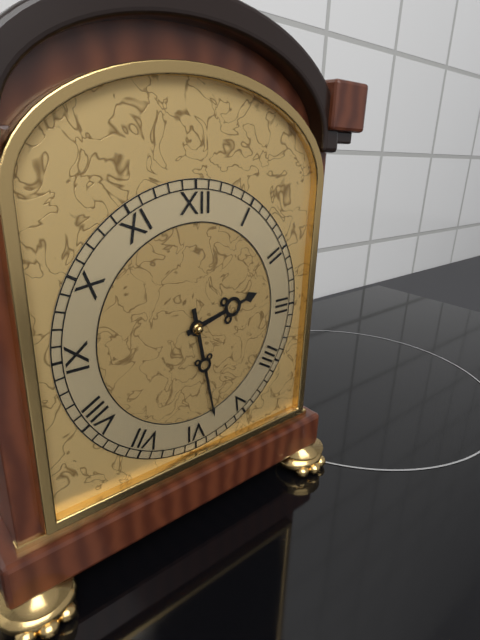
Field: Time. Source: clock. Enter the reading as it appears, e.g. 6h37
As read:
2h28
